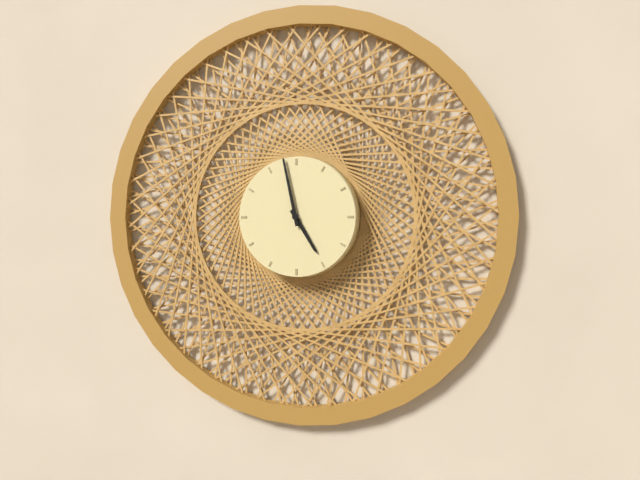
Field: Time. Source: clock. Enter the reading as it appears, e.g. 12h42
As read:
4h58
